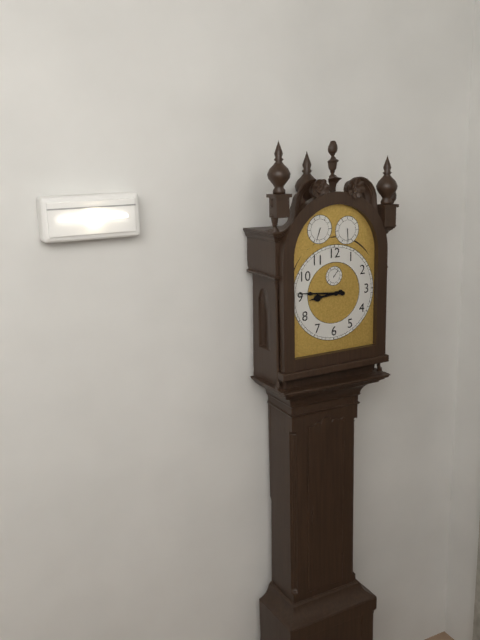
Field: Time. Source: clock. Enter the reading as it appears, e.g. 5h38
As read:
8h46
